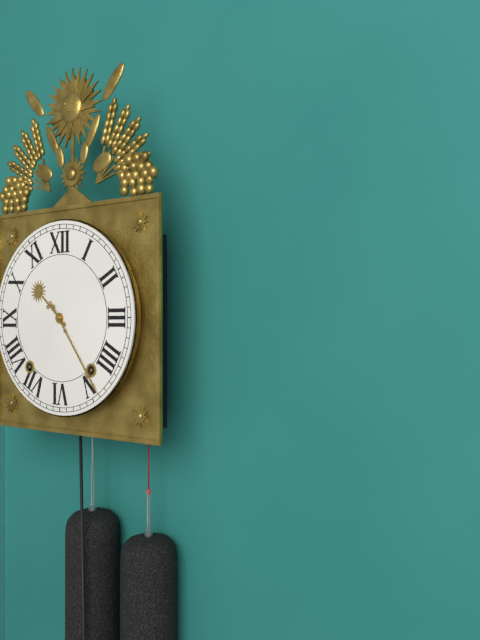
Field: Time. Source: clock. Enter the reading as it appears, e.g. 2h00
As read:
10h24
